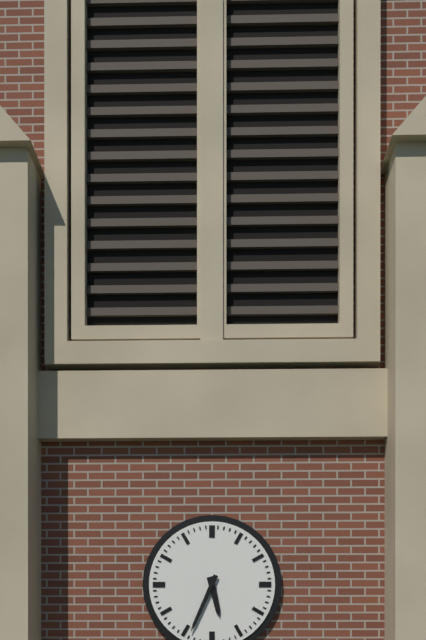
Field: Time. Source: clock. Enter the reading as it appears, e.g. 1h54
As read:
5h34
